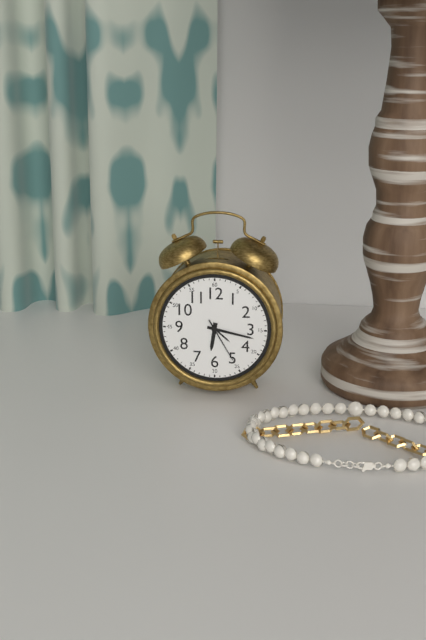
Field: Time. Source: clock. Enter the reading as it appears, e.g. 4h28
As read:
6h17
